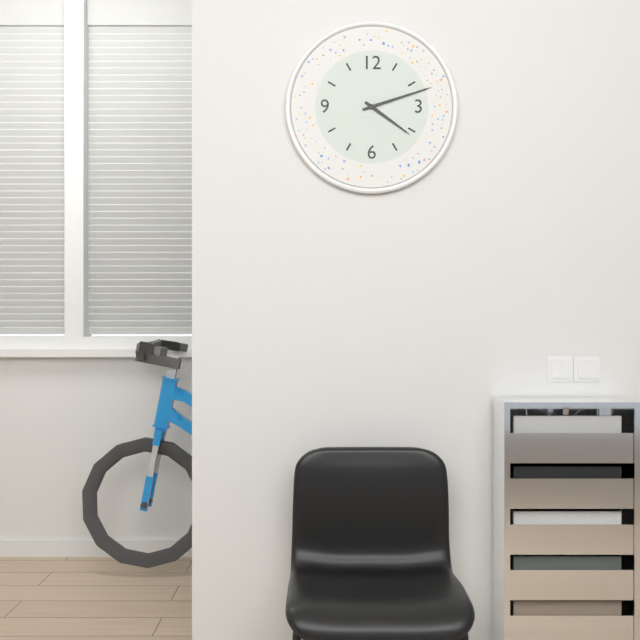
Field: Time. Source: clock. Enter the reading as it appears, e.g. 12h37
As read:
4h12
